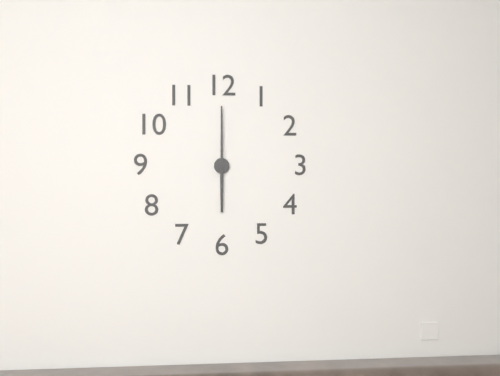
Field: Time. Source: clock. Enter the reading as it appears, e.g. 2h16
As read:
6h00
